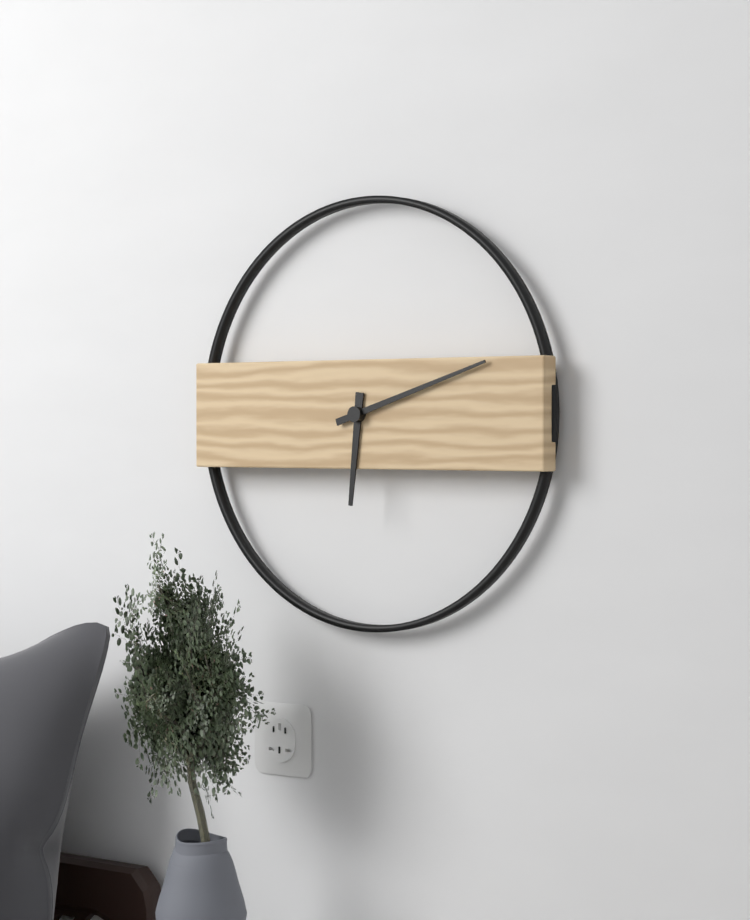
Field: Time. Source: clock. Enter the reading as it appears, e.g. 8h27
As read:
6h12
